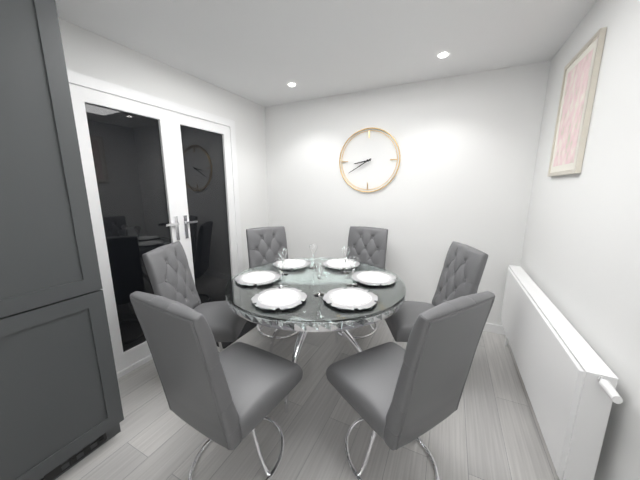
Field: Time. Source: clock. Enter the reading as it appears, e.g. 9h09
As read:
8h40
